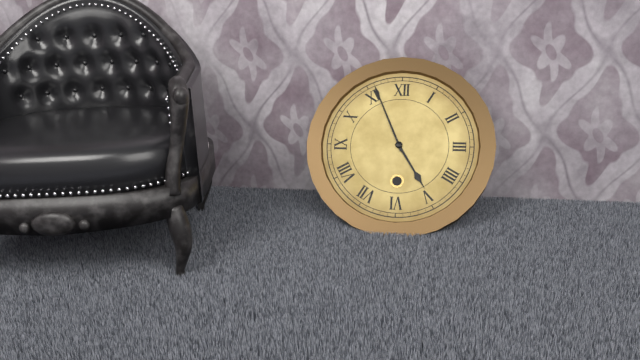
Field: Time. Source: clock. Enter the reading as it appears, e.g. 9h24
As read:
4h56
